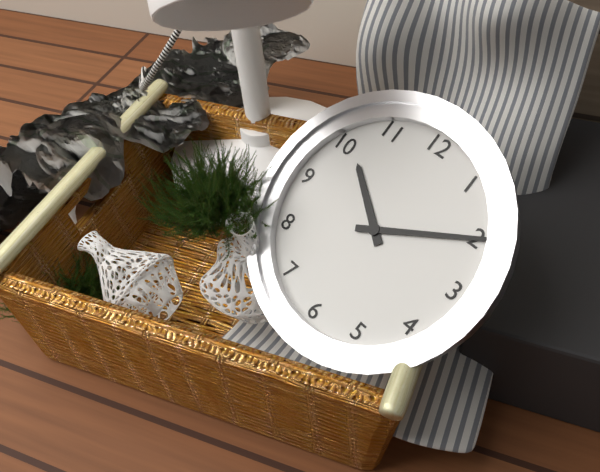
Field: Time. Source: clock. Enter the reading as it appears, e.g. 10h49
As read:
10h10
